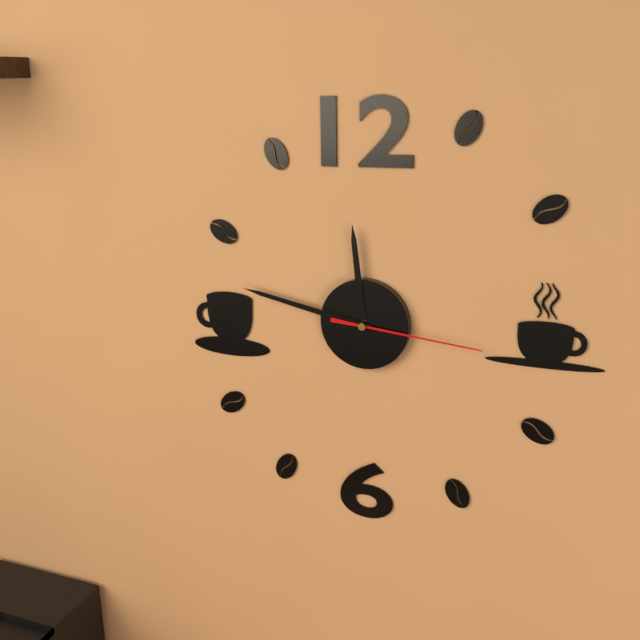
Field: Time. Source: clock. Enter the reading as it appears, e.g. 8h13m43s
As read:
11h47m16s
